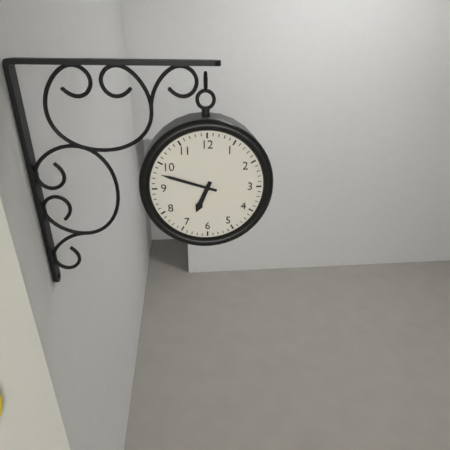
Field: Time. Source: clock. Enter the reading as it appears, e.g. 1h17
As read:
6h48
